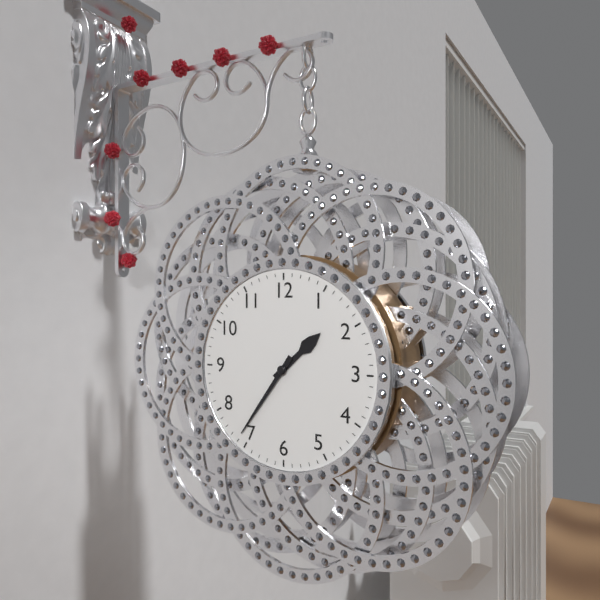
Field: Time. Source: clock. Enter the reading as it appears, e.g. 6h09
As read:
1h36
